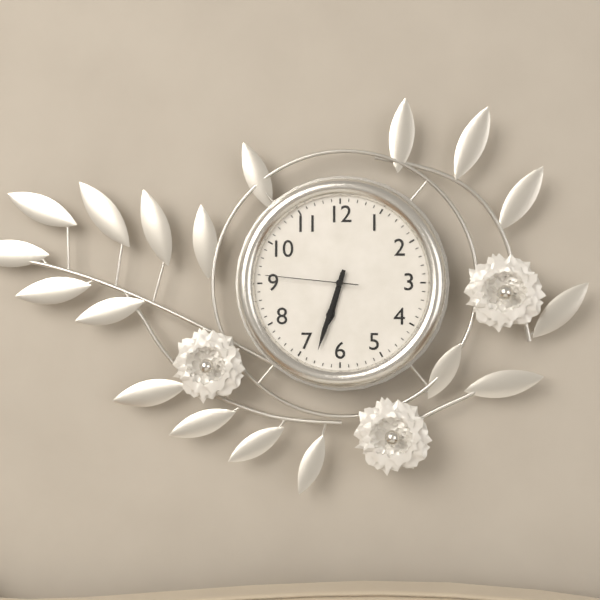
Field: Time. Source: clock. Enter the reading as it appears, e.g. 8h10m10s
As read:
6h33m46s
